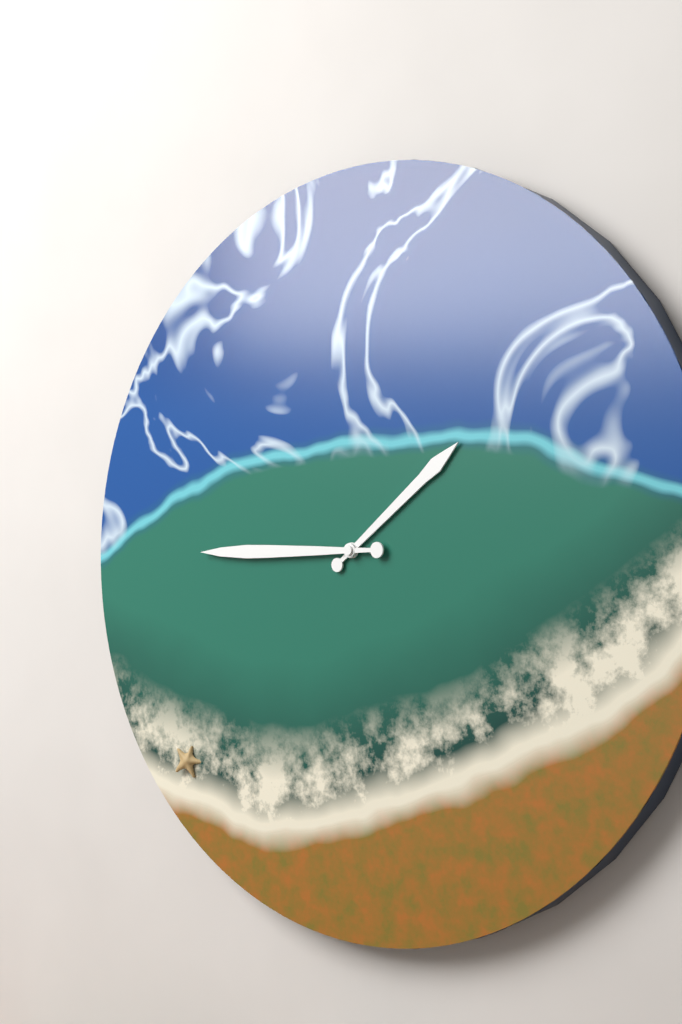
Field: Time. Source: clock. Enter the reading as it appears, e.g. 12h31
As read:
1h45
